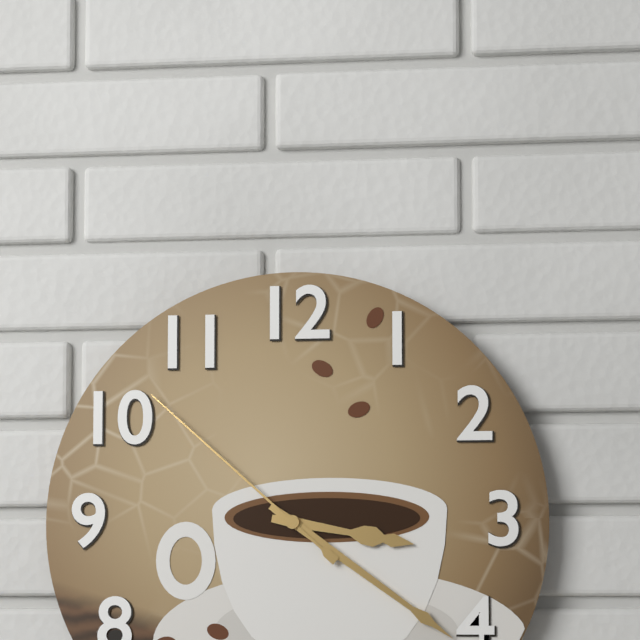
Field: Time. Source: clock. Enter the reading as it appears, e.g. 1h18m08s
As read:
3h21m52s
